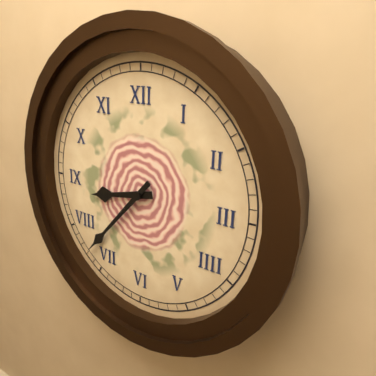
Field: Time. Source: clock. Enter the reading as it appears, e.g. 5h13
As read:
8h37
